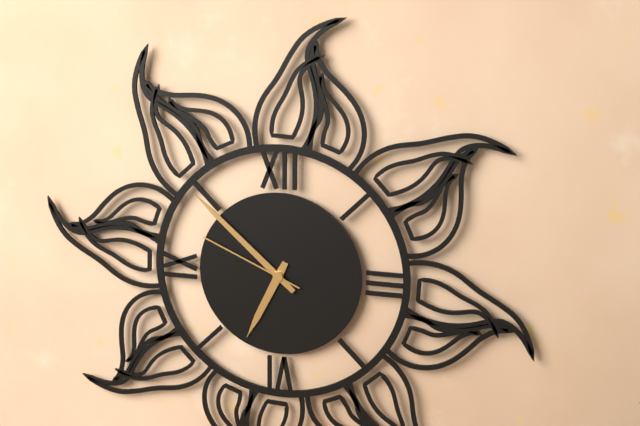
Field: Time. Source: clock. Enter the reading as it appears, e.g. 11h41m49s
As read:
6h52m49s
